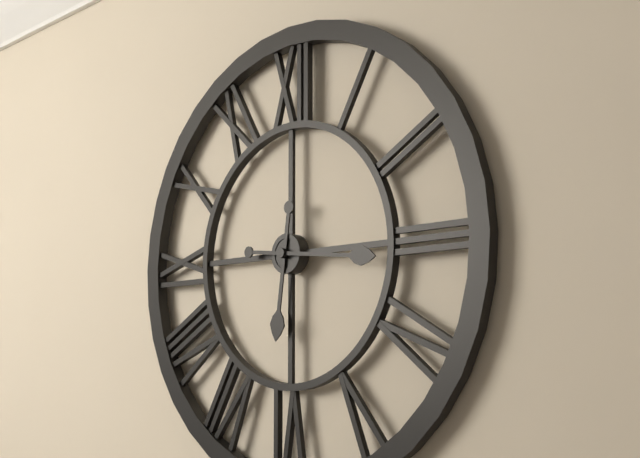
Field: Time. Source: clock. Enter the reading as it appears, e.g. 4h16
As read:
6h16
